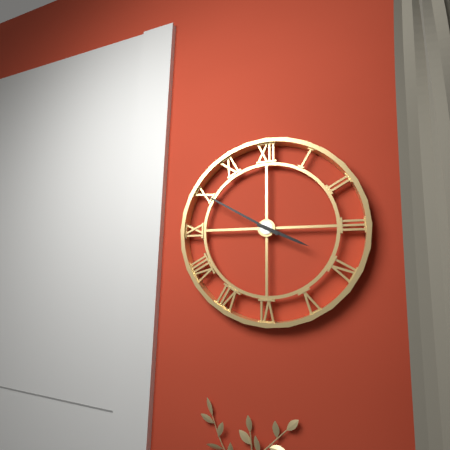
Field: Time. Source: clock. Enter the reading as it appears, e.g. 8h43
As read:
3h50
